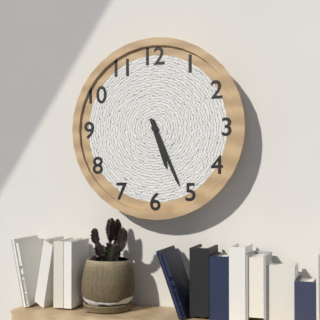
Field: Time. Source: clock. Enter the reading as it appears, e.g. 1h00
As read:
5h26
